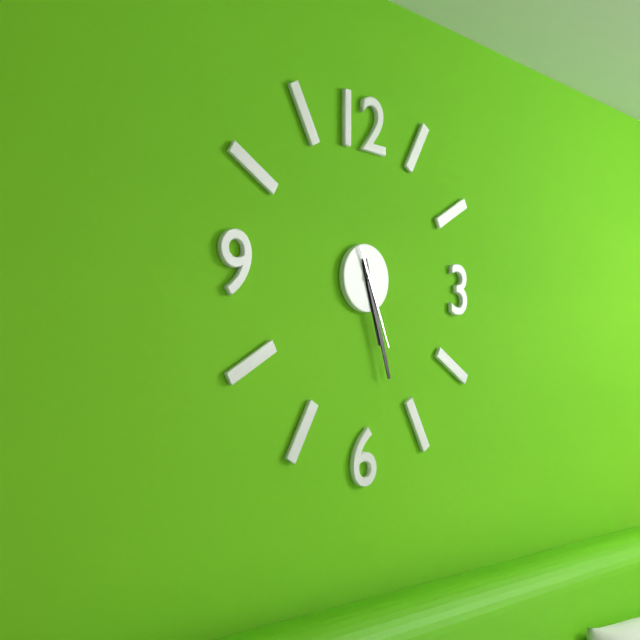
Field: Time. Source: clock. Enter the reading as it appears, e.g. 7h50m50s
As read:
5h27m26s
